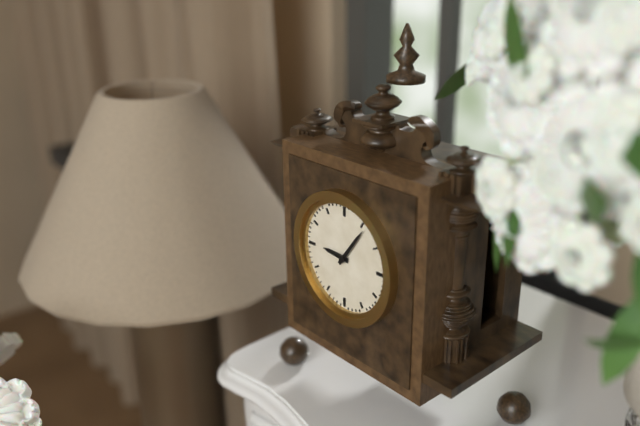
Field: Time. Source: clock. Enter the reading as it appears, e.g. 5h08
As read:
9h06
